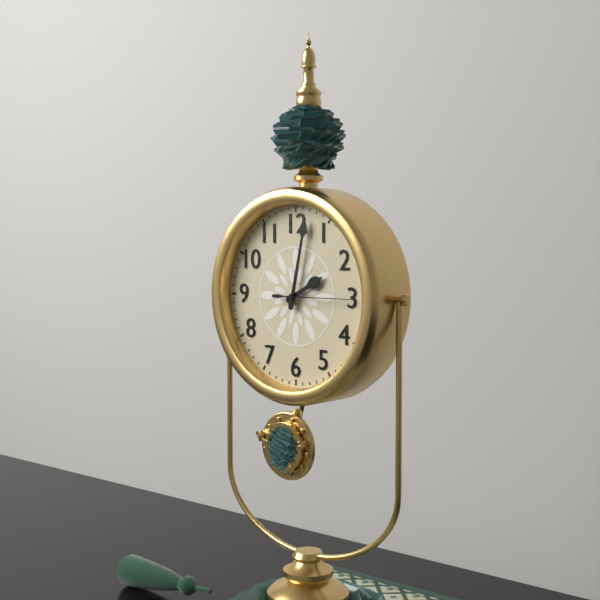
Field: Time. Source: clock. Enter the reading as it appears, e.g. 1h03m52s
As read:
2h02m15s
